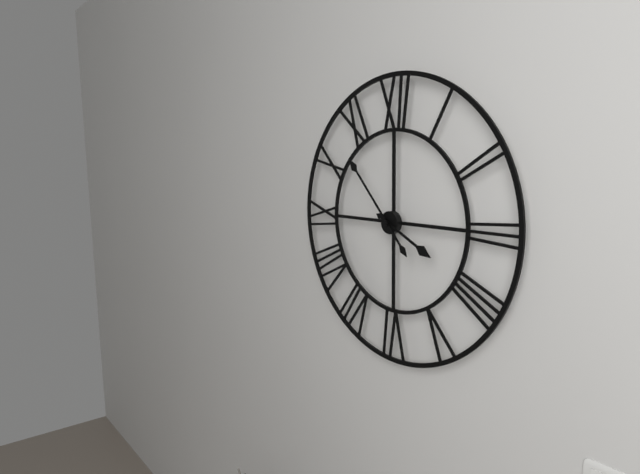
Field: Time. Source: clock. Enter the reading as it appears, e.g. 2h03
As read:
3h53
